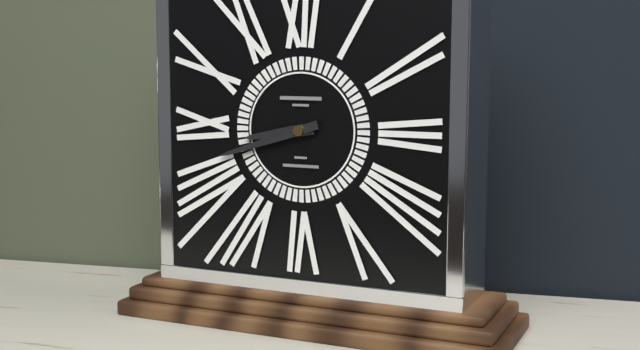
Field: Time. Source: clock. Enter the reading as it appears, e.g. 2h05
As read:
8h42
